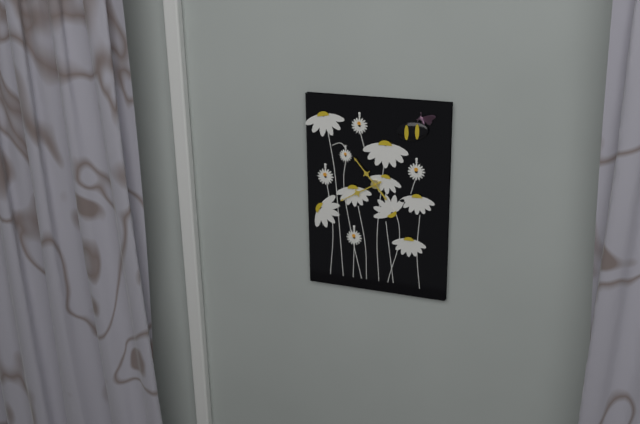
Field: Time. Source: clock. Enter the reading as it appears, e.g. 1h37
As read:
10h40
